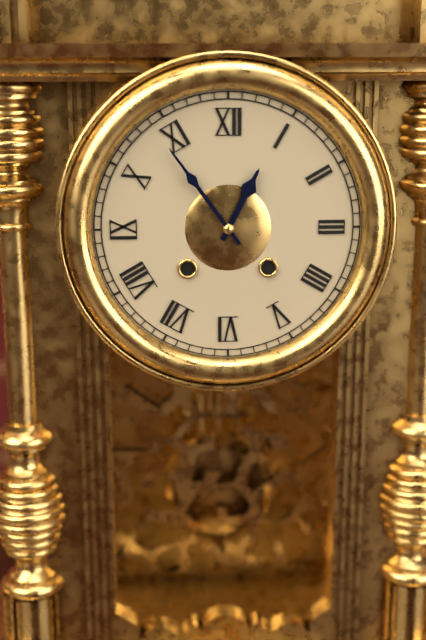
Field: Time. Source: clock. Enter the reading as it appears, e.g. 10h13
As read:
12h54
